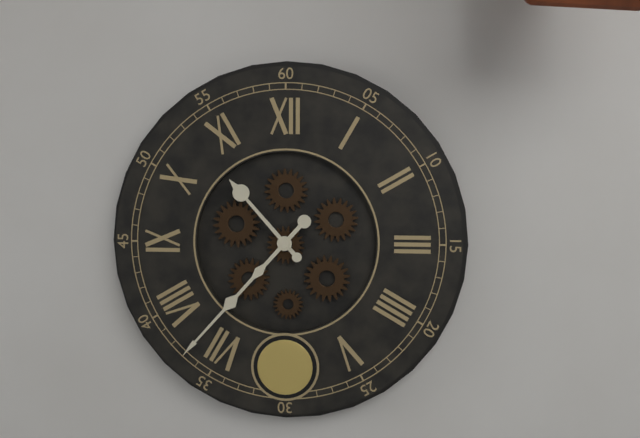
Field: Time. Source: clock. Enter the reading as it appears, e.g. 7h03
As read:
10h37
